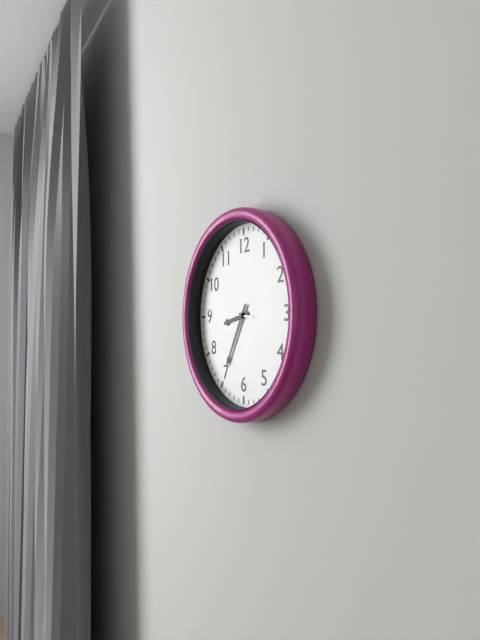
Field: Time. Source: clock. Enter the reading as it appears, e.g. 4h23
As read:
8h35
